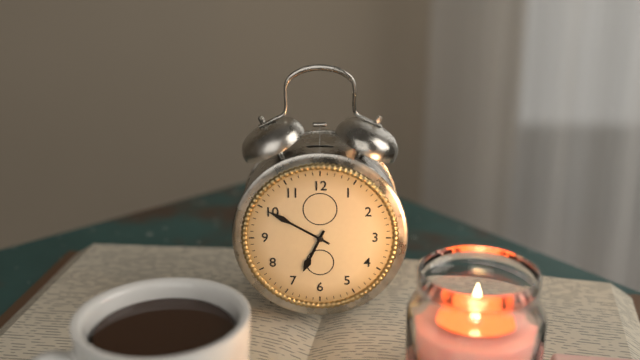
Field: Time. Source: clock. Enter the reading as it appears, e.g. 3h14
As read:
6h50
